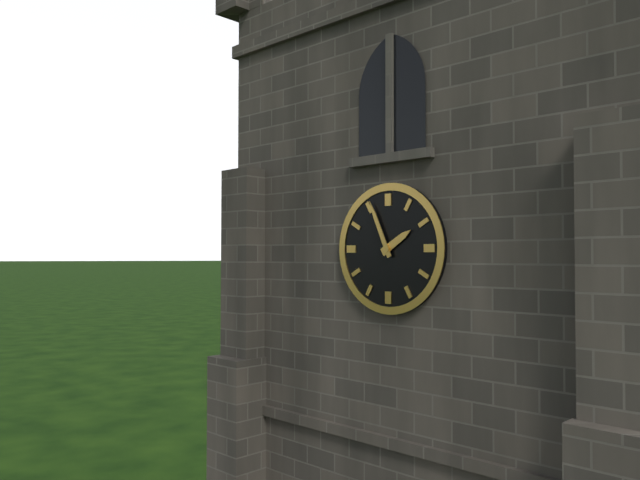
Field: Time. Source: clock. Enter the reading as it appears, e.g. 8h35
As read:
1h56
